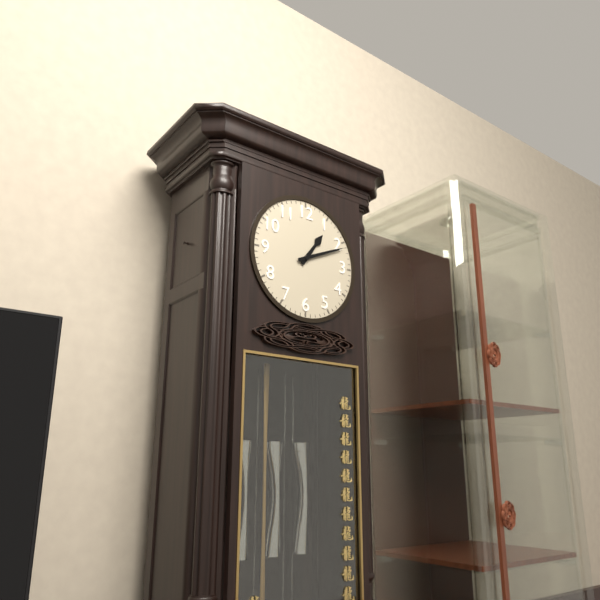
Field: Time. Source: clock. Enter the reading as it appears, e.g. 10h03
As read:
1h11
